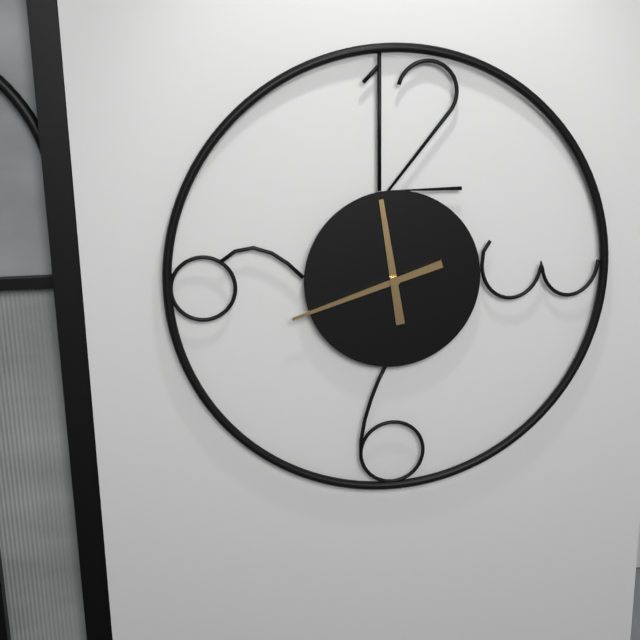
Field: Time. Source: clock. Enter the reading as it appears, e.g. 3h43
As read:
11h42
